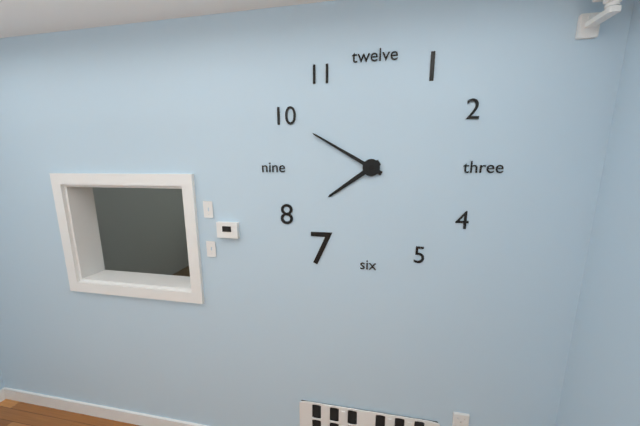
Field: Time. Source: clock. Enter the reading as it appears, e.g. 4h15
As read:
7h50
